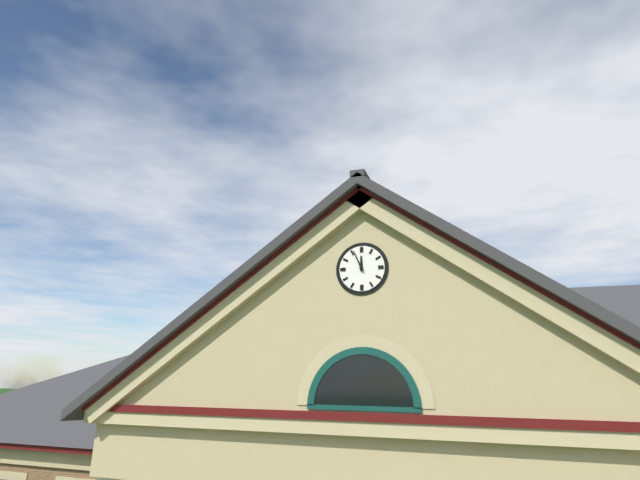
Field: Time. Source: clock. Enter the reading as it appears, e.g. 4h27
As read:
11h56
